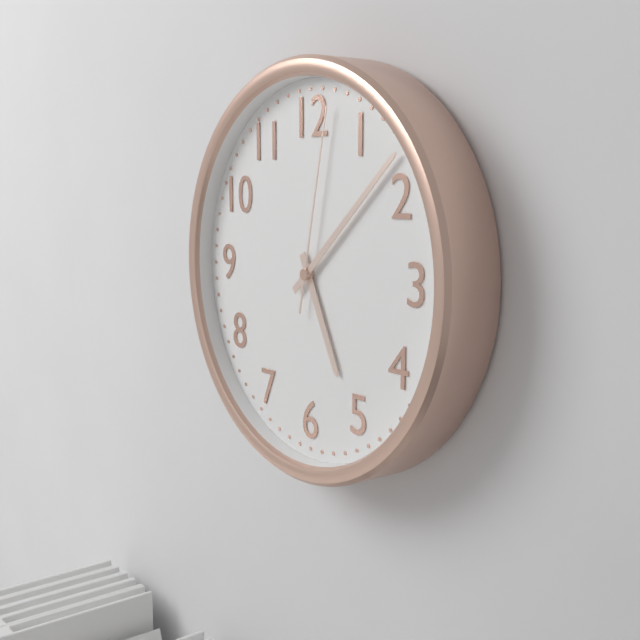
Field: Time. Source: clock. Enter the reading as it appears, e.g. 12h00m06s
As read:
5h08m02s
